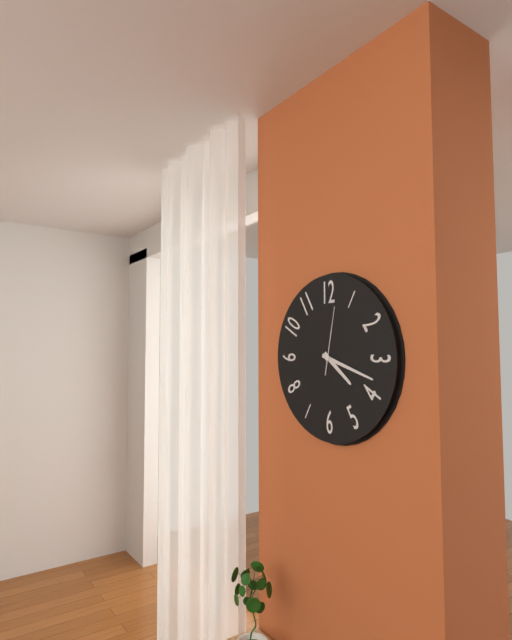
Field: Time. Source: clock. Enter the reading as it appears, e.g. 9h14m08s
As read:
4h18m02s
